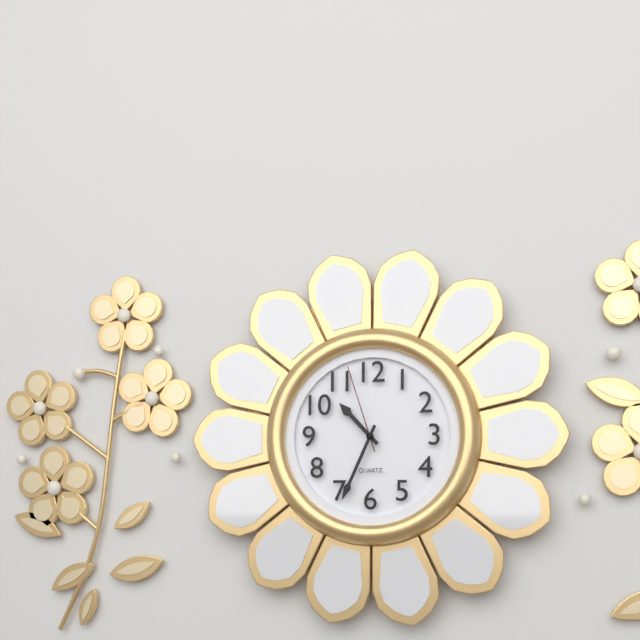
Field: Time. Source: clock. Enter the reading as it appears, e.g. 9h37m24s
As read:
10h34m57s
